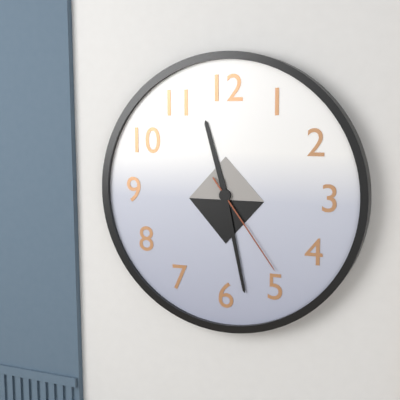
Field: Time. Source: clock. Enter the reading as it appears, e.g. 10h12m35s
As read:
11h28m24s
